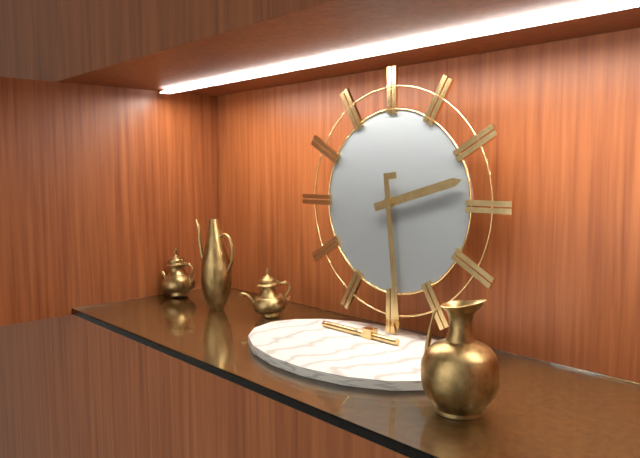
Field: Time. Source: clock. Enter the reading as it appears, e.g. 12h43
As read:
2h29
